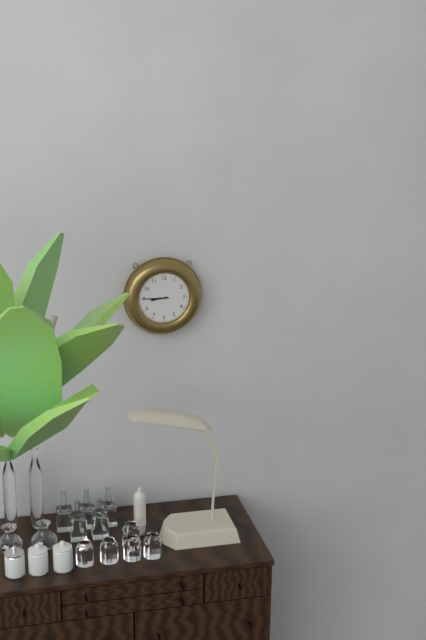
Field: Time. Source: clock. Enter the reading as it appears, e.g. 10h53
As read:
8h45
